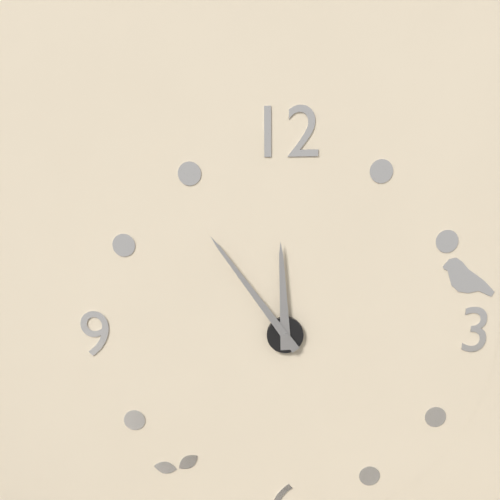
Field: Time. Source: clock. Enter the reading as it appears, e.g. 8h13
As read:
11h54
